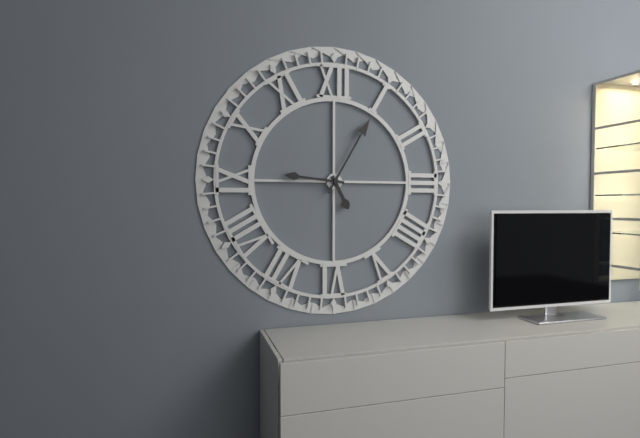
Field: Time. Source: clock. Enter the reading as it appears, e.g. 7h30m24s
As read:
5h05m46s
